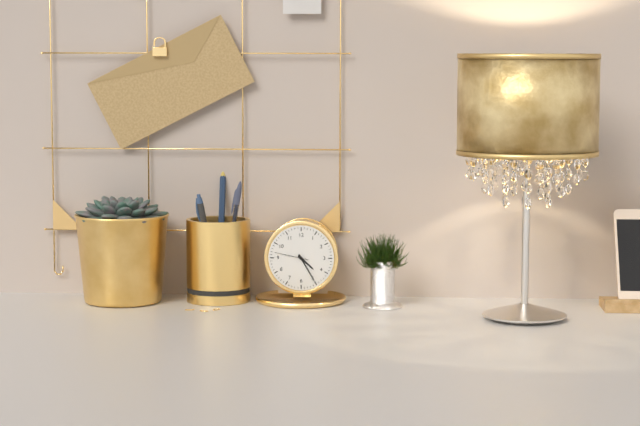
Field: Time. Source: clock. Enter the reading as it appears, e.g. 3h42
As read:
4h25
